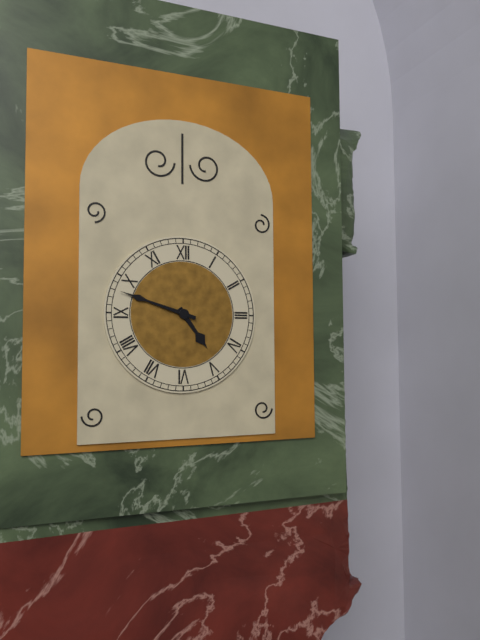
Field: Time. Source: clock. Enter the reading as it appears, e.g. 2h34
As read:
4h48
